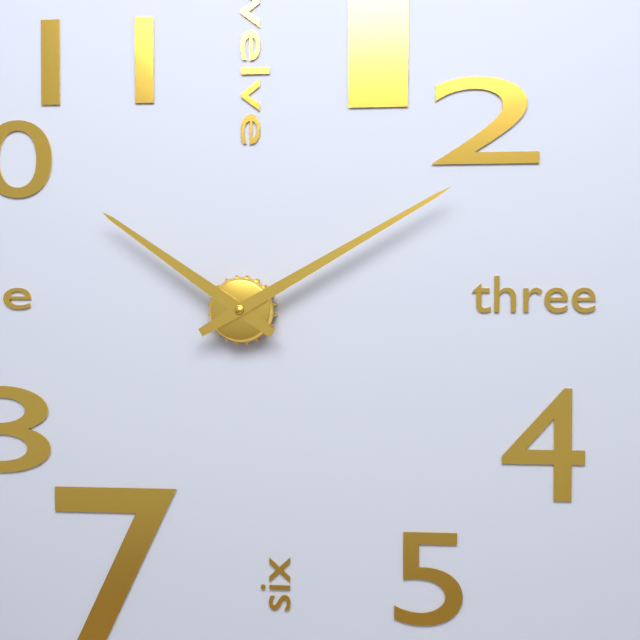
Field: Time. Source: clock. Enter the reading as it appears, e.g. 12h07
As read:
10h10
